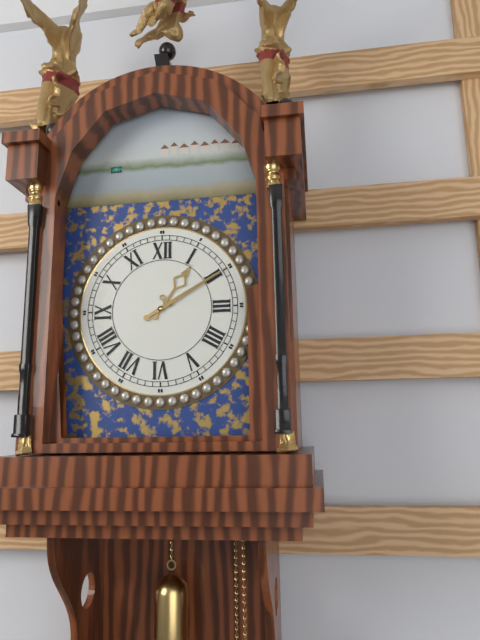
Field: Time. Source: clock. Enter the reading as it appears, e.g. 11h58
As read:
1h10
